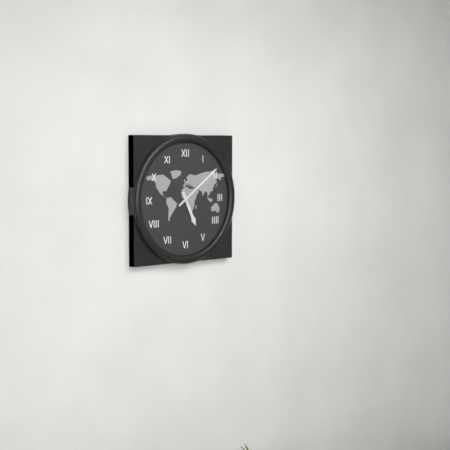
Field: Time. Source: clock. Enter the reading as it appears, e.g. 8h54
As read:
5h09
